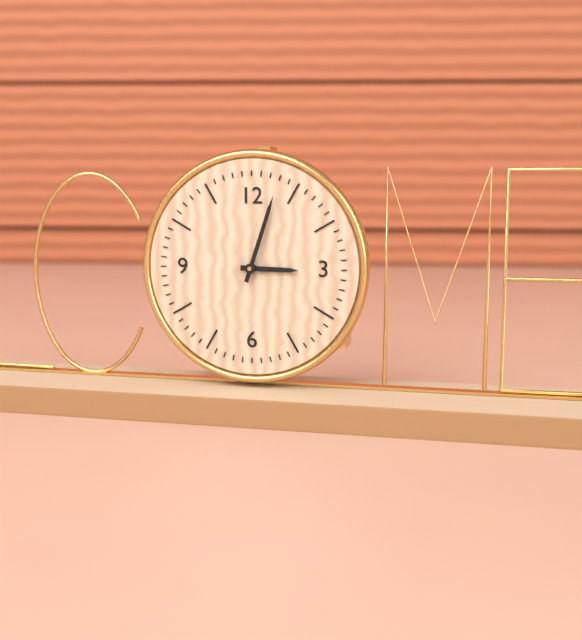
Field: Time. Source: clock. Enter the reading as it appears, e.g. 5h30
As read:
3h03
